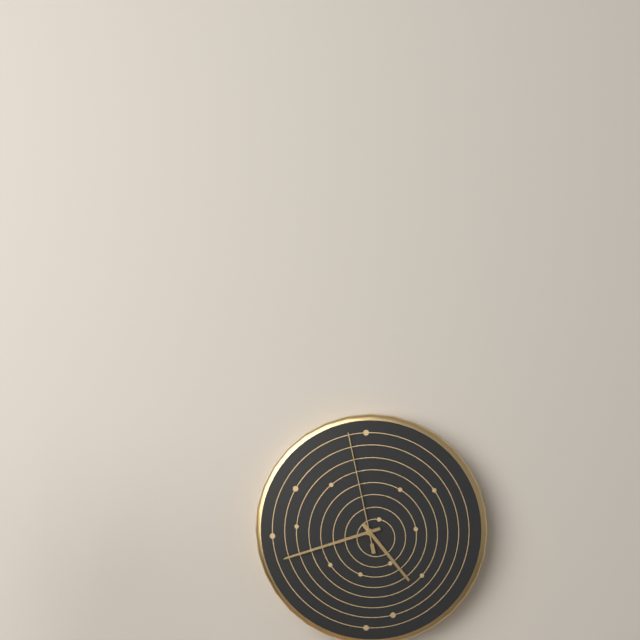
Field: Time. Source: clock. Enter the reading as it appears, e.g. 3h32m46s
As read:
4h42m58s
